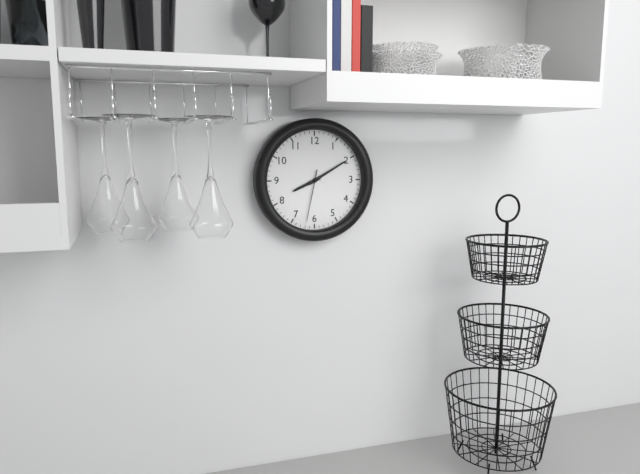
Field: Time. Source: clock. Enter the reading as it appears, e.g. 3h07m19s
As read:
8h10m32s
